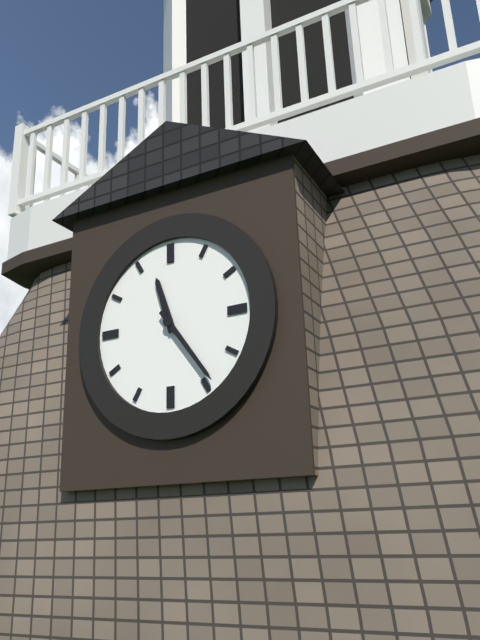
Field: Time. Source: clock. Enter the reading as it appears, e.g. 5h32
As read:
11h24
